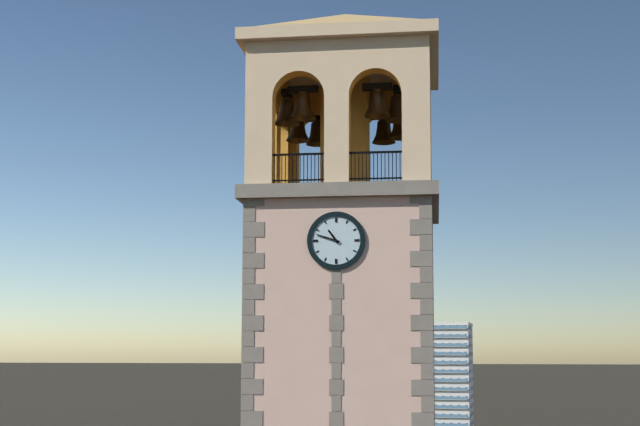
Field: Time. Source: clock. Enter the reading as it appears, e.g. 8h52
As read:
10h48
